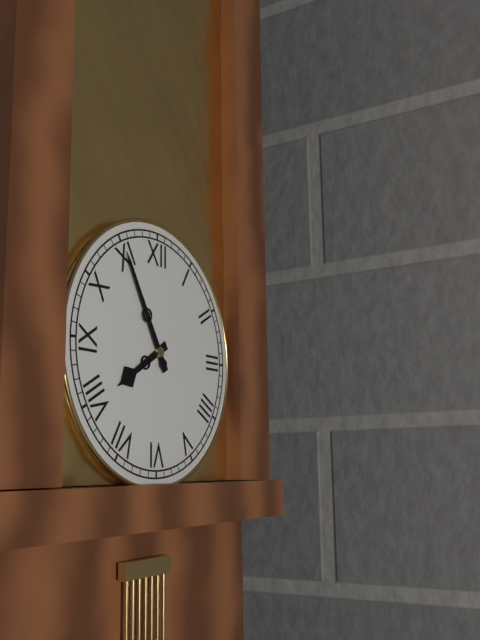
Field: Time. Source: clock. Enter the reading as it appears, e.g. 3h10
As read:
7h55
